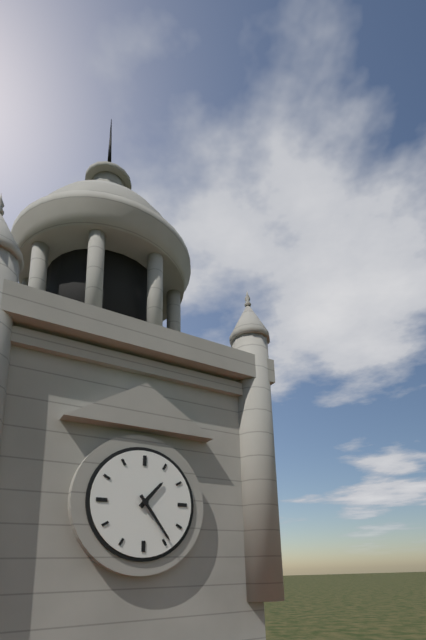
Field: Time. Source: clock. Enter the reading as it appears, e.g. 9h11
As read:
1h24
